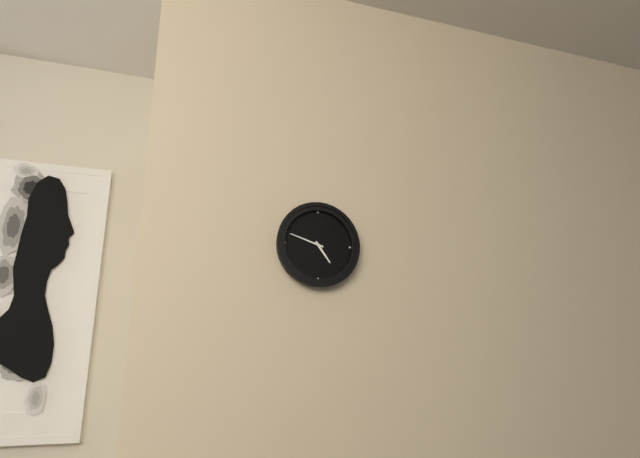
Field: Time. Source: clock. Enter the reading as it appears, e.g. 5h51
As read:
4h48
